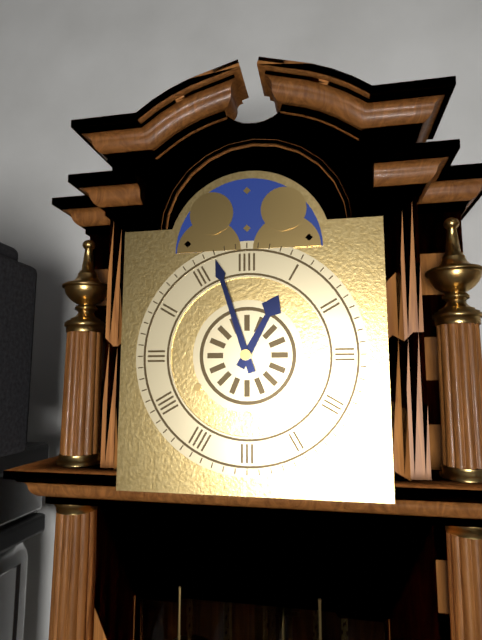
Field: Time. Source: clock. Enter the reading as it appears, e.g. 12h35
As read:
12h57
